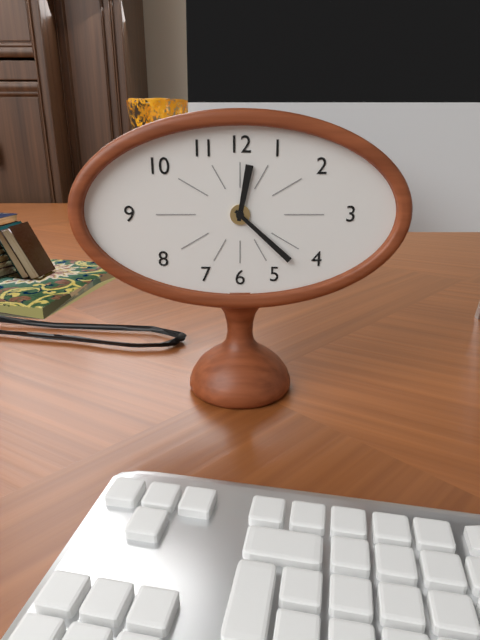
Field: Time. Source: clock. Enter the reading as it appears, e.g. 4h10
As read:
12h22
